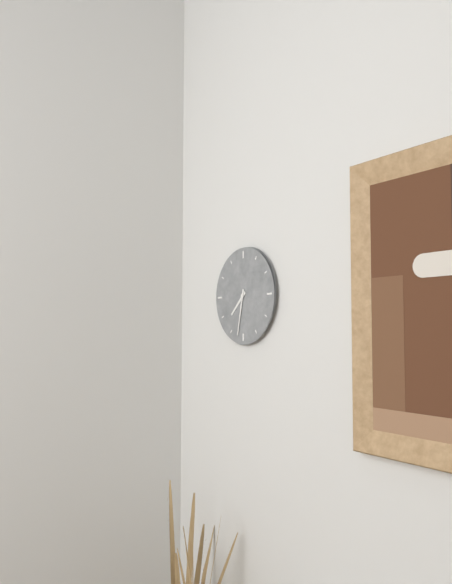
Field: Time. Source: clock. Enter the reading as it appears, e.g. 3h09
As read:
7h32
